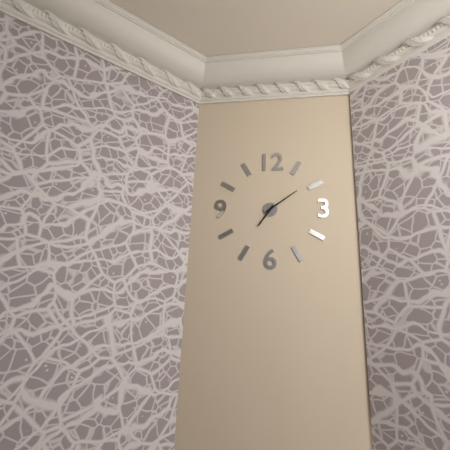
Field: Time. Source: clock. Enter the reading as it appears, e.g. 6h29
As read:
7h09
